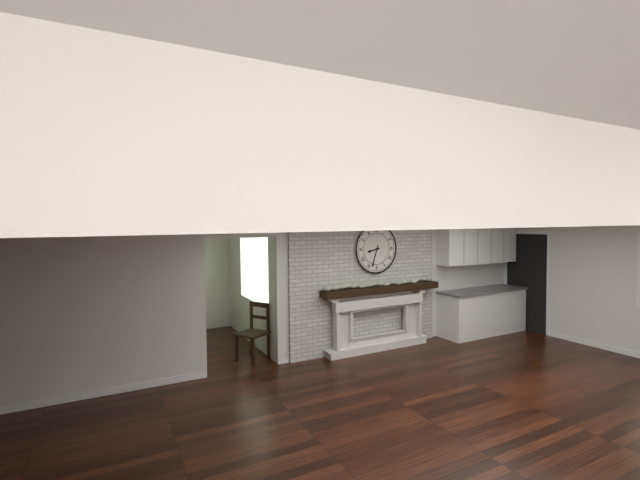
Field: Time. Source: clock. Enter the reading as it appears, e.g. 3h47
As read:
8h33
